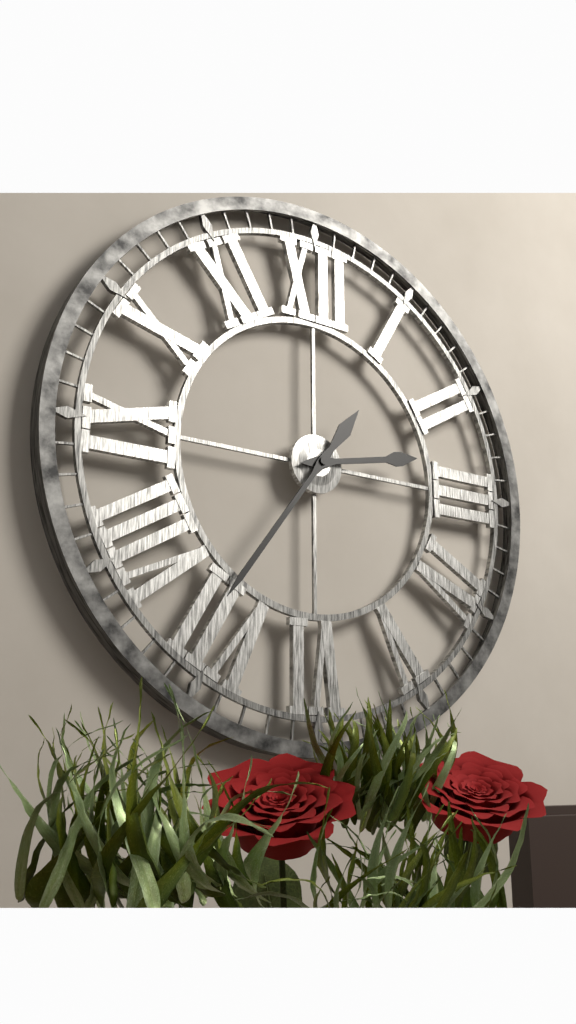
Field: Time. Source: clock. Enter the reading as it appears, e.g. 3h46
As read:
2h36
